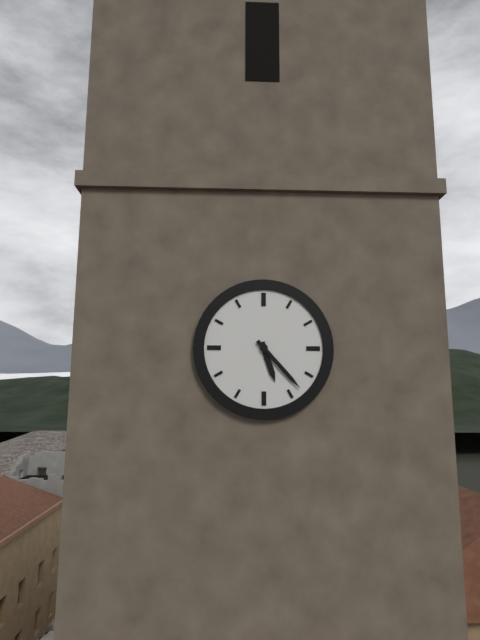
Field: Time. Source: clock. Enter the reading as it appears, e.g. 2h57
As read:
5h23
